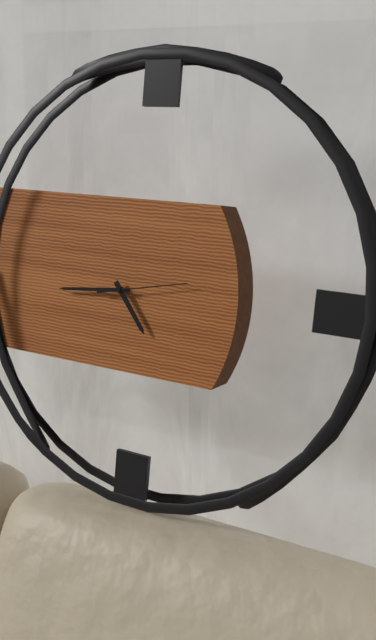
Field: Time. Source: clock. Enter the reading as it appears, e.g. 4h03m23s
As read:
4h44m13s
